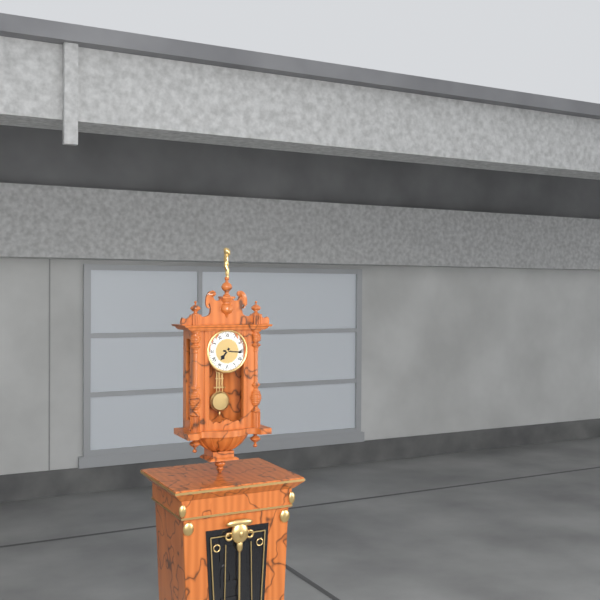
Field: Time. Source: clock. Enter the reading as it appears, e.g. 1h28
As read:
7h16
